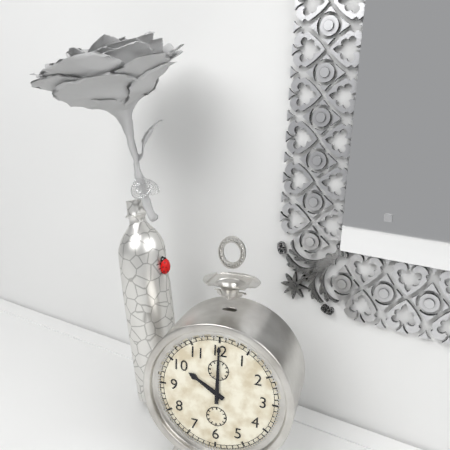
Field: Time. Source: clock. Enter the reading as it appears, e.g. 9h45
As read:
10h00
